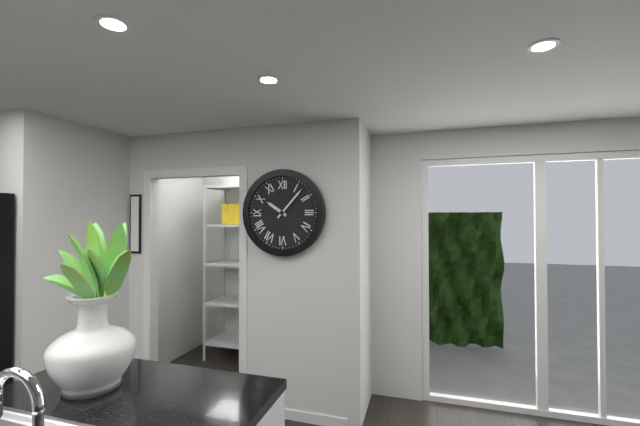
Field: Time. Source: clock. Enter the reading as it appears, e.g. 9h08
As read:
10h07
